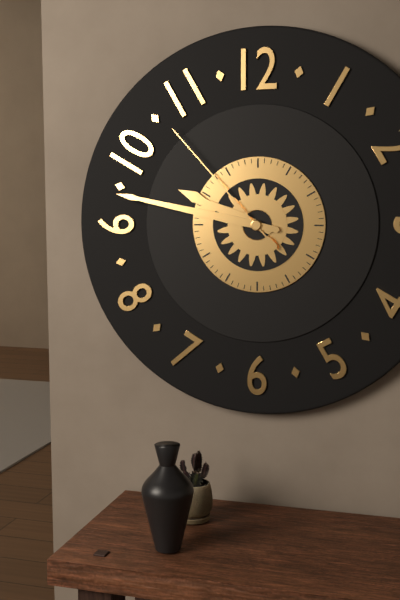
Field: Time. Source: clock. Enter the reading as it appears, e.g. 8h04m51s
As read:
9h47m53s
